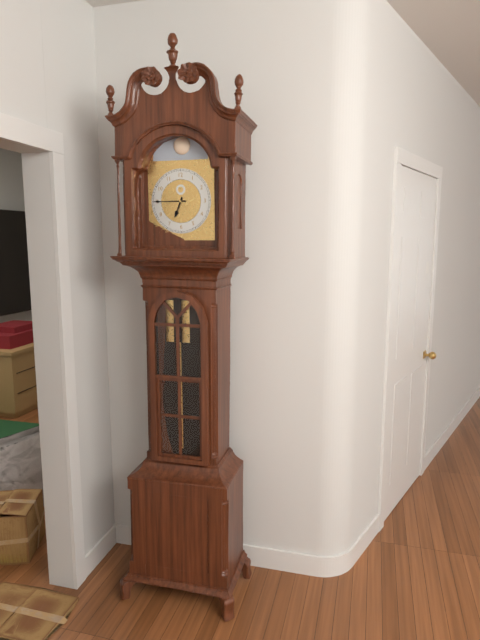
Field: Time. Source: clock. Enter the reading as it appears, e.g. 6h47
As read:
6h45
